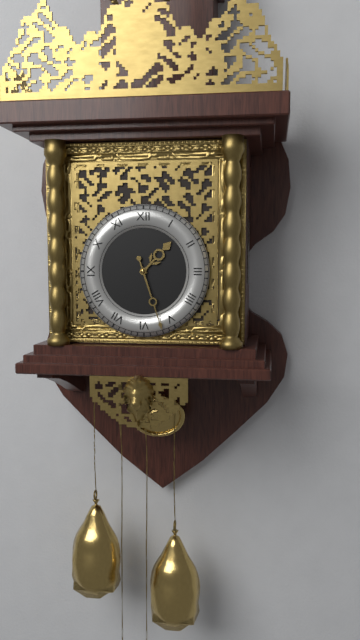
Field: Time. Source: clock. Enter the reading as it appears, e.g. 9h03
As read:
1h27
